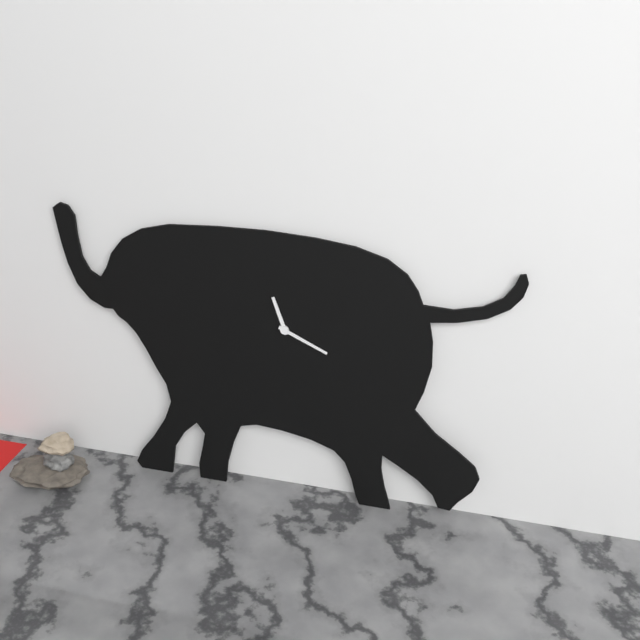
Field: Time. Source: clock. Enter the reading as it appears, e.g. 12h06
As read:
11h19
